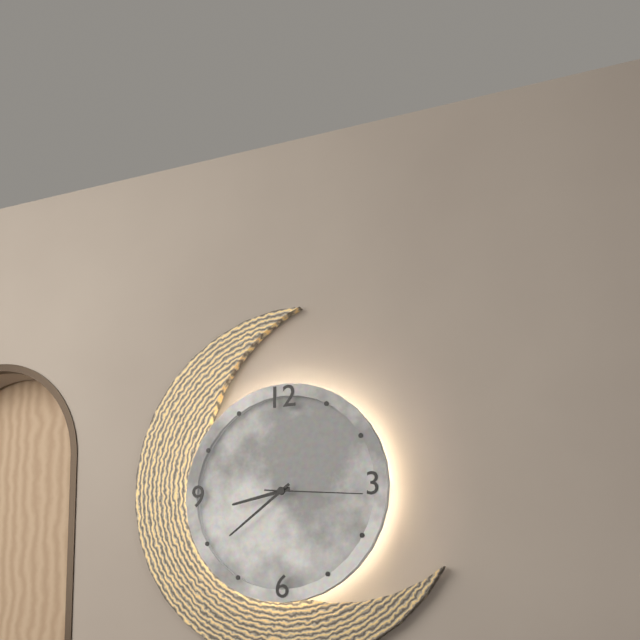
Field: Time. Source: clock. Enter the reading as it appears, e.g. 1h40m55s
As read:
8h39m16s
